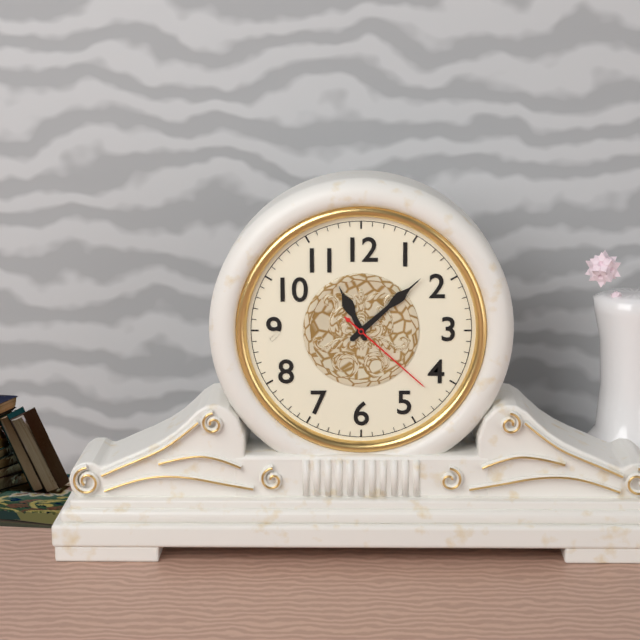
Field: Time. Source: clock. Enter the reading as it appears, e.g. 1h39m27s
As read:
11h08m22s
